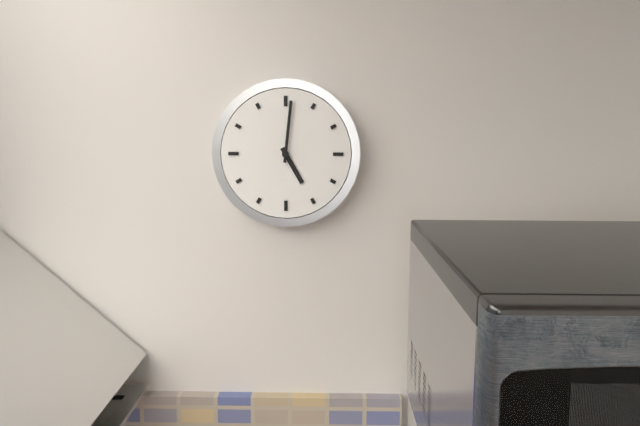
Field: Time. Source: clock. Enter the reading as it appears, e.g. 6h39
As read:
5h01
